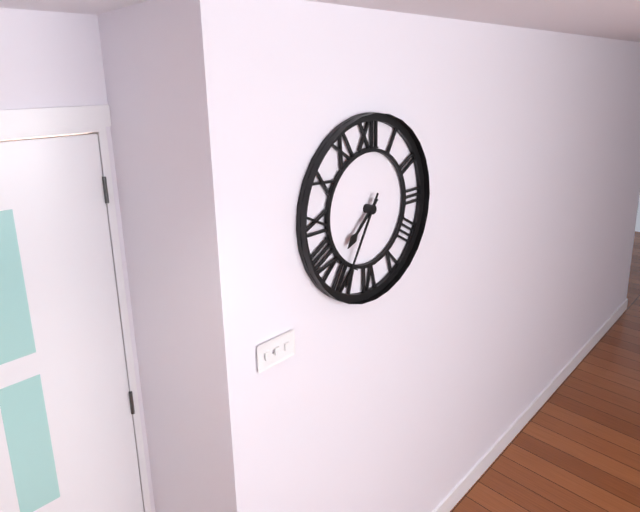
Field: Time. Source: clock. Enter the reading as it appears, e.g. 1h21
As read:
7h35
